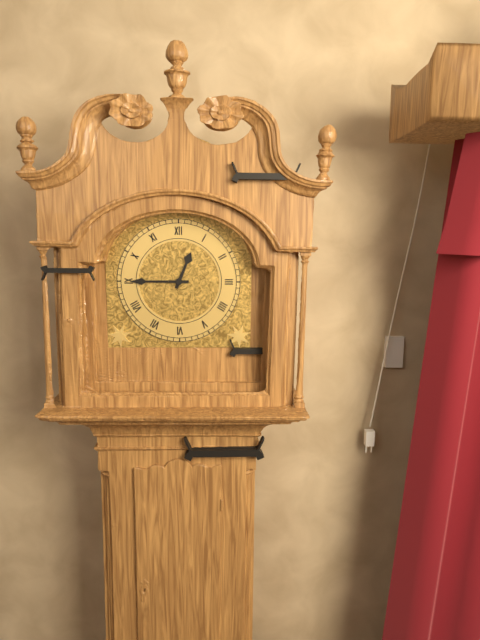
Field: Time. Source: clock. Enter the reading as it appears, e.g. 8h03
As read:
12h45
